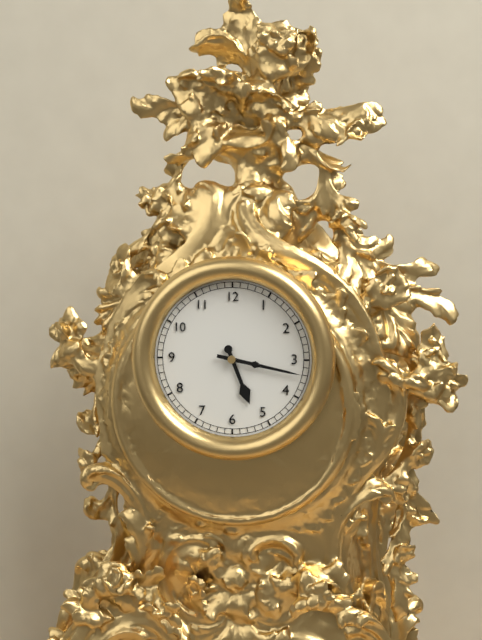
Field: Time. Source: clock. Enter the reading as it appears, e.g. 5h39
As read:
5h17
